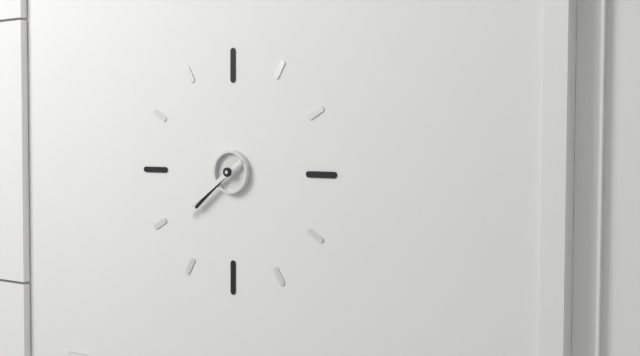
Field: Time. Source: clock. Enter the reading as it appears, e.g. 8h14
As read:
7h39
